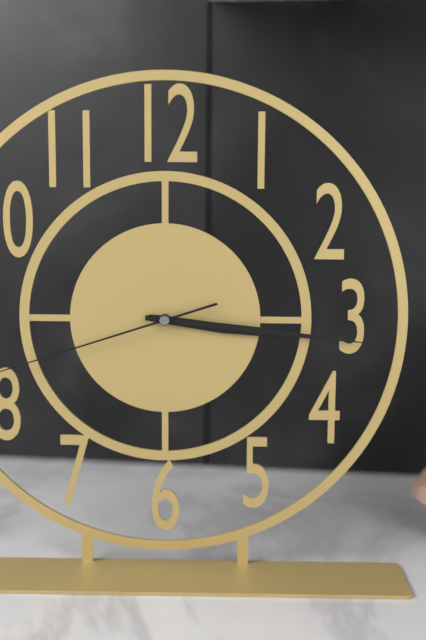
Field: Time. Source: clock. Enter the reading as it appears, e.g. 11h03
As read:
3h16
